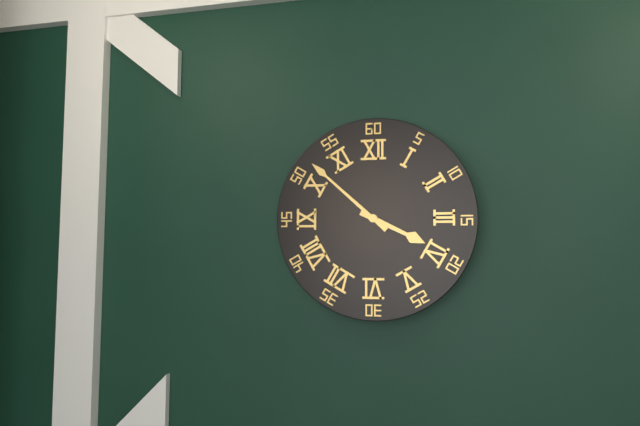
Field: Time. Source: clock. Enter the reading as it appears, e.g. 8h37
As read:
3h52
